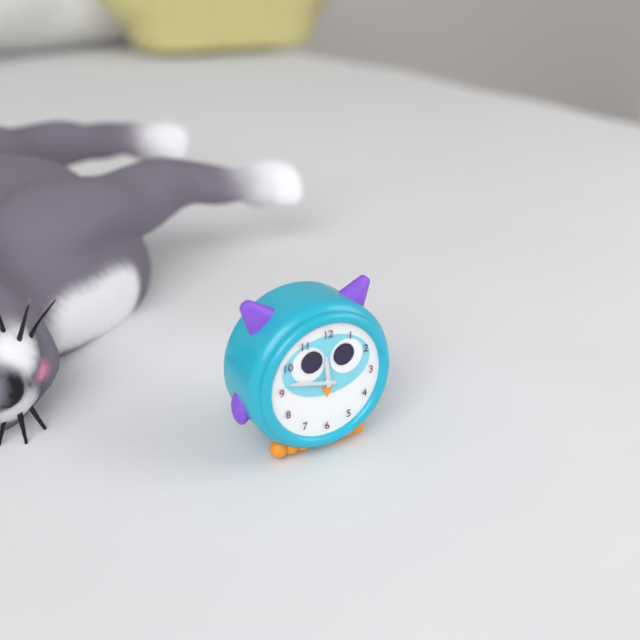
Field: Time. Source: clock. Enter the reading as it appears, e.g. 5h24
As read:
11h47
